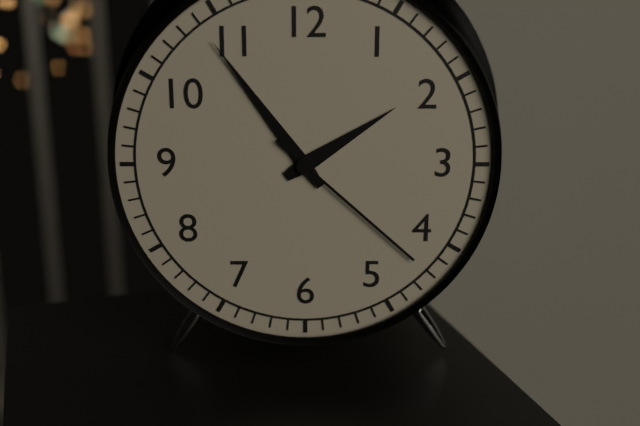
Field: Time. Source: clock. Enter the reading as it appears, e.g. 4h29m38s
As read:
1h54m22s
